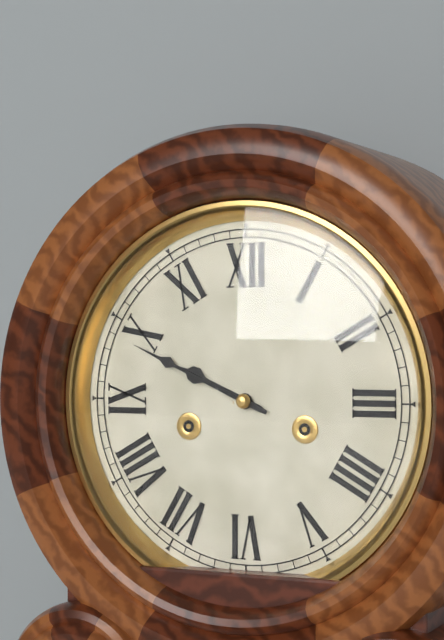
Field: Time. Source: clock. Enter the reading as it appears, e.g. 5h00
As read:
9h49
